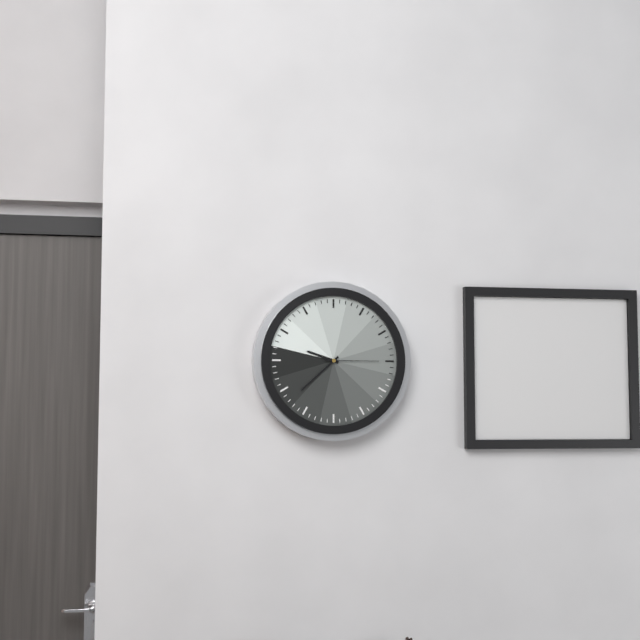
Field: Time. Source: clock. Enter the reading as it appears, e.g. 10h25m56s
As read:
9h38m15s
